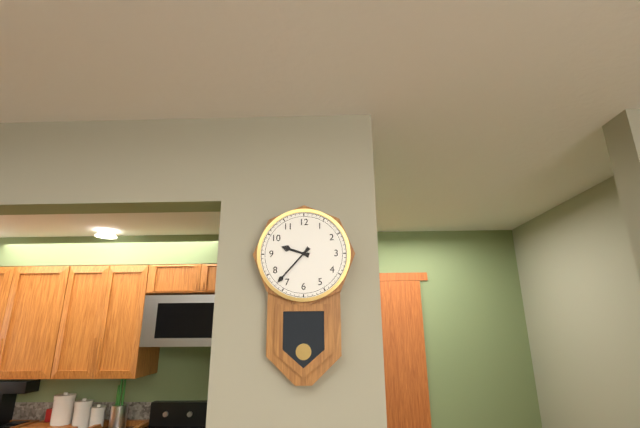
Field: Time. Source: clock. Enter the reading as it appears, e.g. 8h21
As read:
9h37
